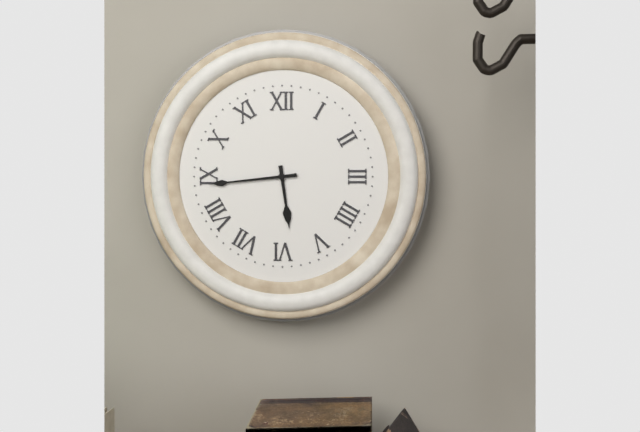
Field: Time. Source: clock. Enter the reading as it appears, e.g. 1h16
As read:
5h44
